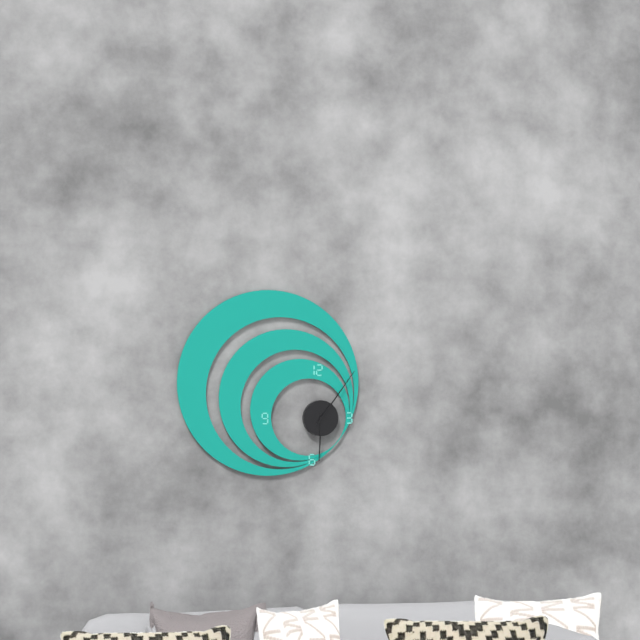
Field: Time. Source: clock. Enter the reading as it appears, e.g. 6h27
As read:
6h06
